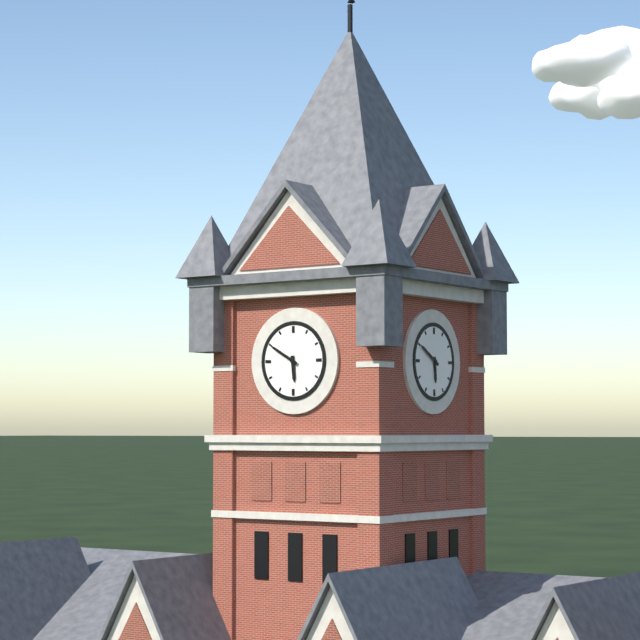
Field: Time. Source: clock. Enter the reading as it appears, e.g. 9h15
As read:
5h50
